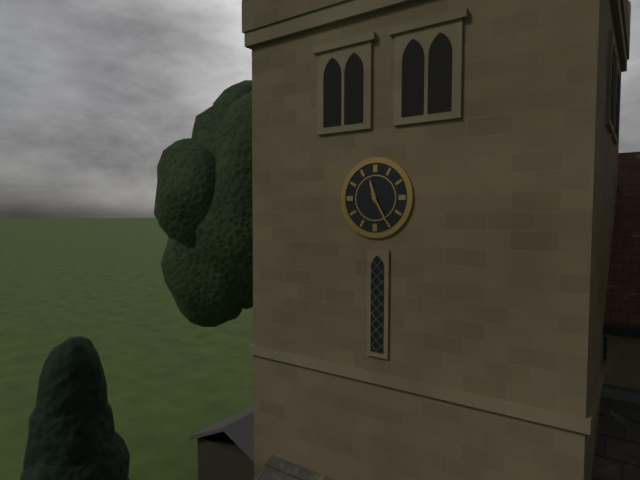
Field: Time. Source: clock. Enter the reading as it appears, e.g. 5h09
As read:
11h25
